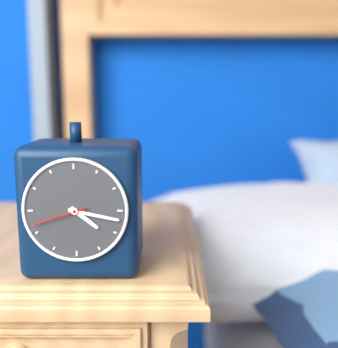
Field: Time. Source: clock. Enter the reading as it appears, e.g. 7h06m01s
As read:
4h17m42s
